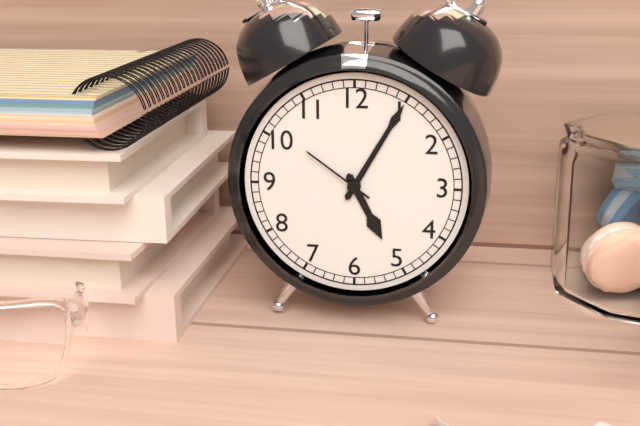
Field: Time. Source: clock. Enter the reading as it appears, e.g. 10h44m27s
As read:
5h05m51s
